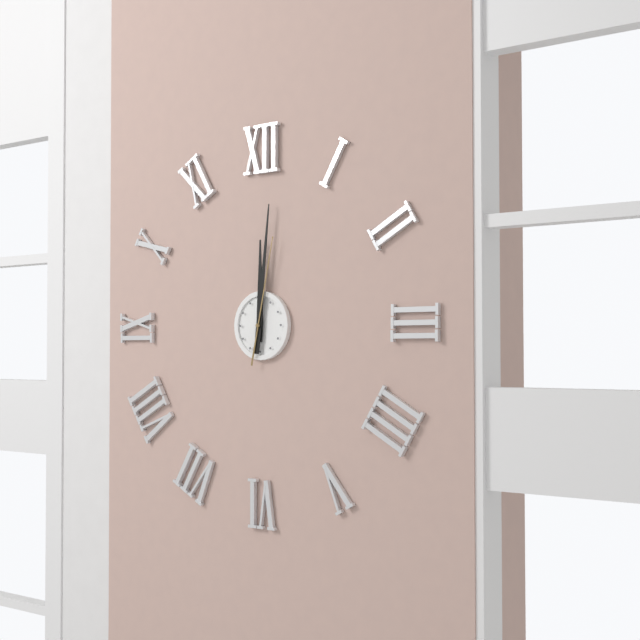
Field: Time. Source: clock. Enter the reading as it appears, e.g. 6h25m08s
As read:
12h01m02s
